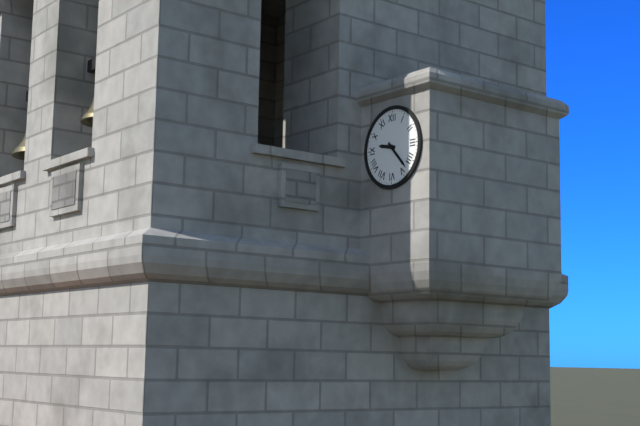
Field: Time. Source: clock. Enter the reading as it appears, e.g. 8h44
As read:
9h23
